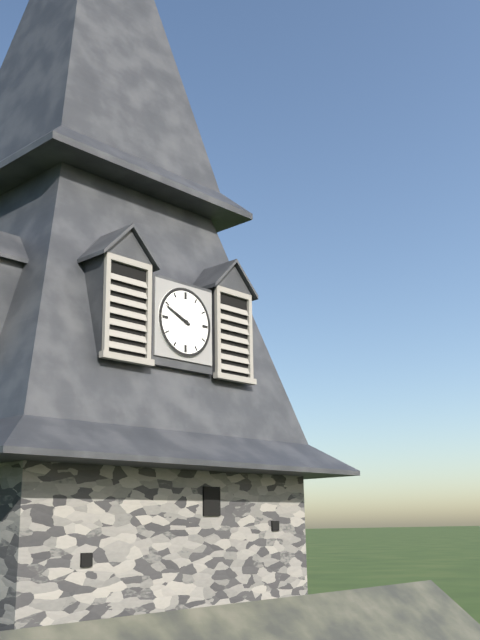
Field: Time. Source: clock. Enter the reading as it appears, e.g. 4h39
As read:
9h49
